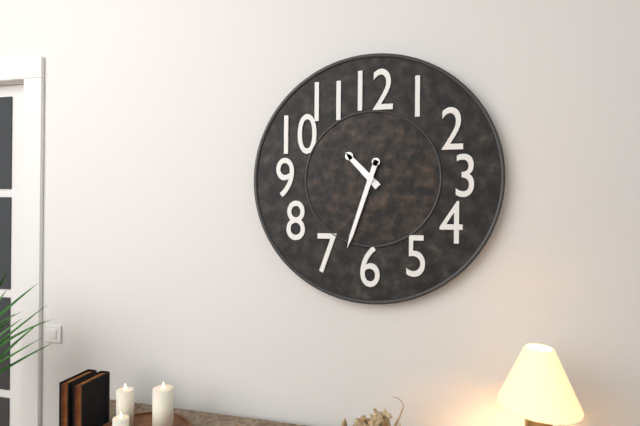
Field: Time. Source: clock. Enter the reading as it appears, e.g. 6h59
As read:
10h33
